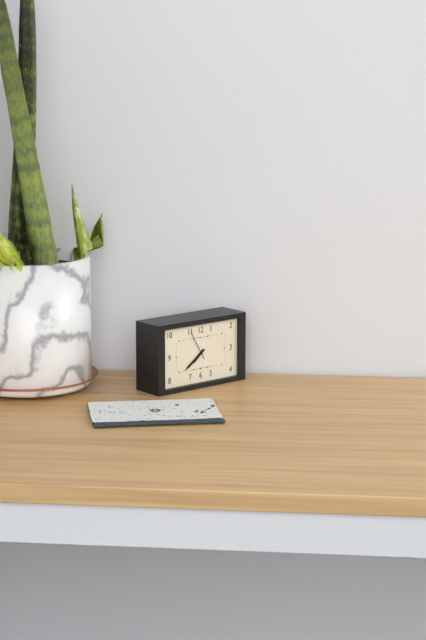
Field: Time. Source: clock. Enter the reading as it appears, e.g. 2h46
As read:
7h39
